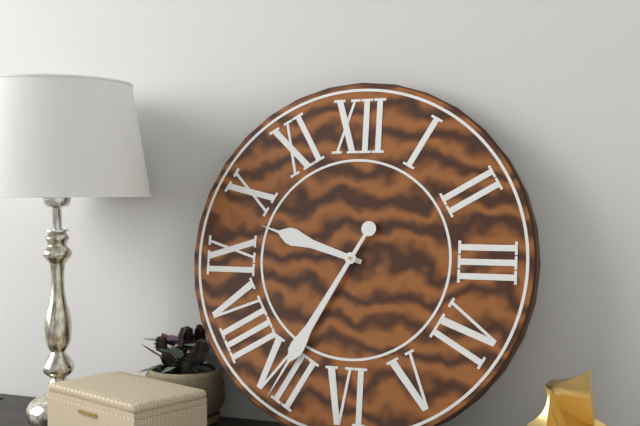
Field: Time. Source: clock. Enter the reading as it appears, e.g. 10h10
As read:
9h35
